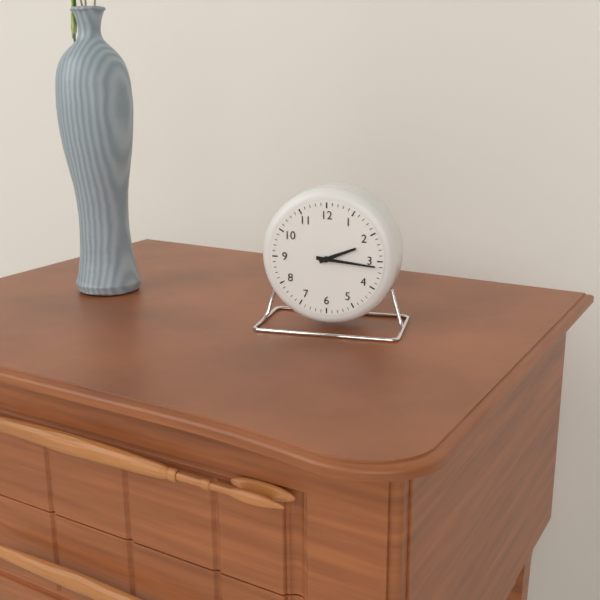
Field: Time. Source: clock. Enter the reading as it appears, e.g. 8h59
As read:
2h16
